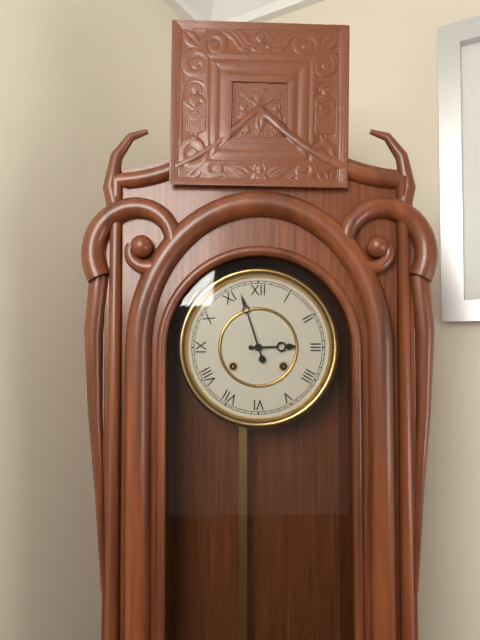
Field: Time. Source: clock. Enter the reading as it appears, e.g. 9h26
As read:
2h57
